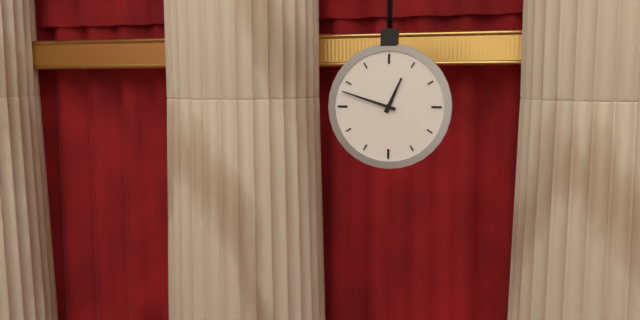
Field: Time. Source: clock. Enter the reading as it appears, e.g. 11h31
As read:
12h48
